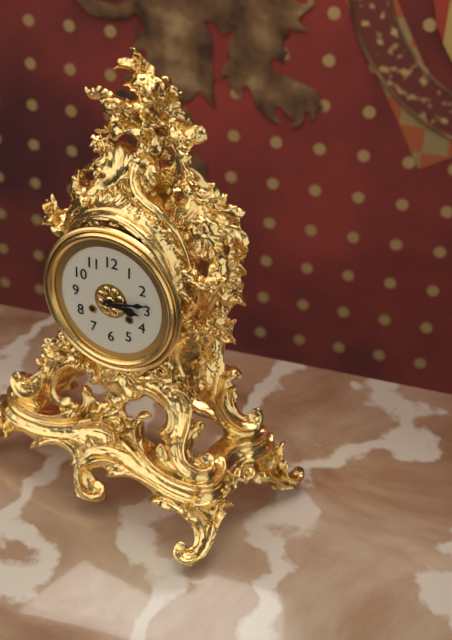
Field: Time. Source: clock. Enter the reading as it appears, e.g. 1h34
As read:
3h13
